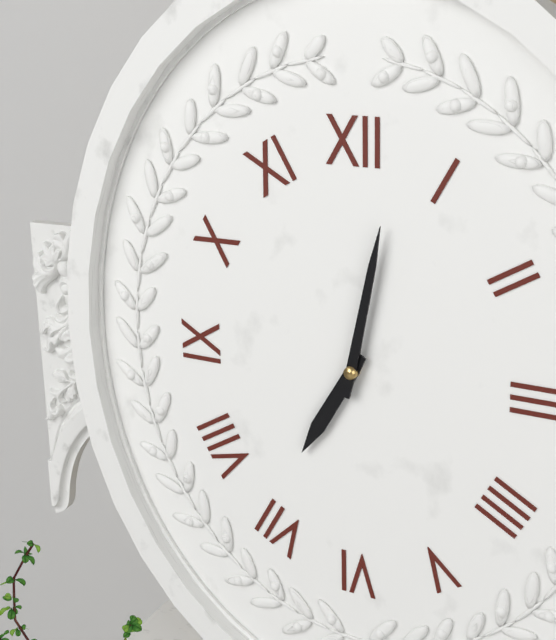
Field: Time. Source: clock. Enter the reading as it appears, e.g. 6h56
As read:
7h02
